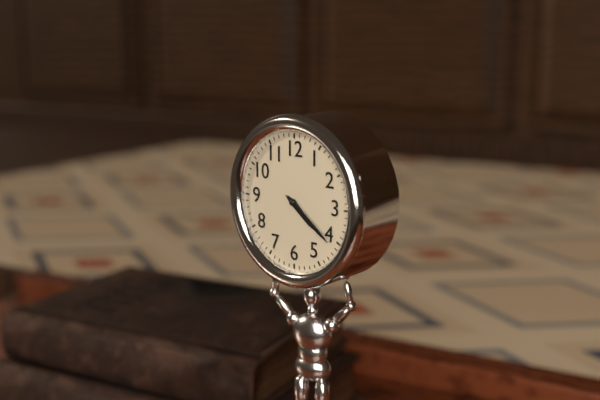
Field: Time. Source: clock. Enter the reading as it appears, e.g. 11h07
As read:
4h21
